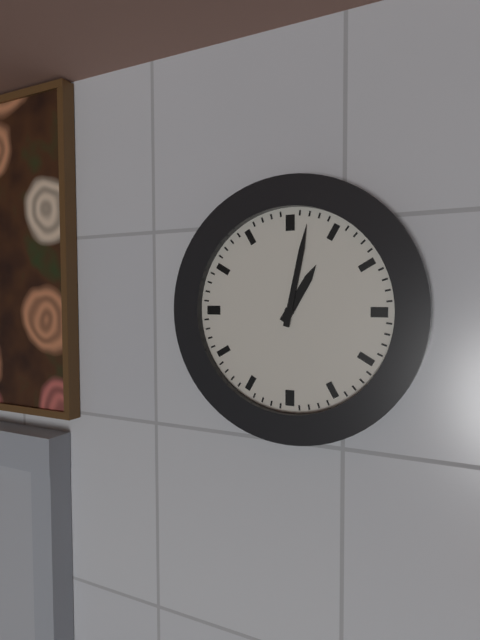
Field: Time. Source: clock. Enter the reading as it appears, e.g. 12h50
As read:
1h02
